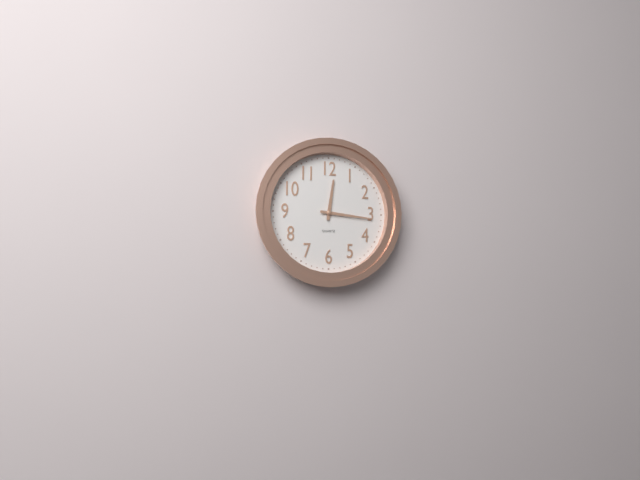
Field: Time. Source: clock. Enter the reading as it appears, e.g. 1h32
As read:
12h16
